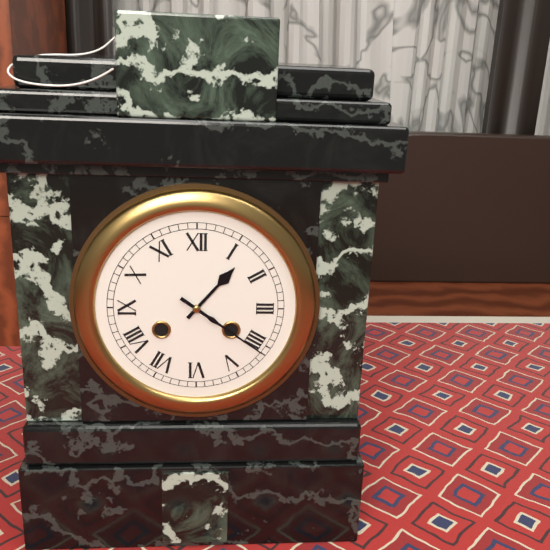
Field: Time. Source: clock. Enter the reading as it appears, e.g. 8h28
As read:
1h21
